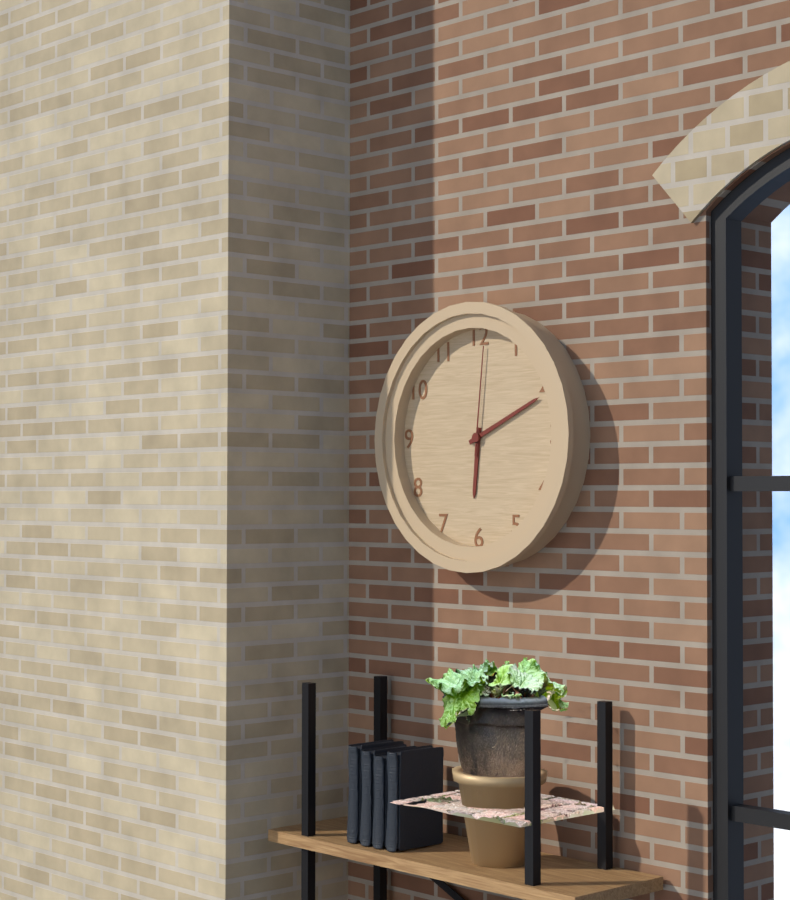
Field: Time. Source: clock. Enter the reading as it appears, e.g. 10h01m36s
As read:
6h11m01s
